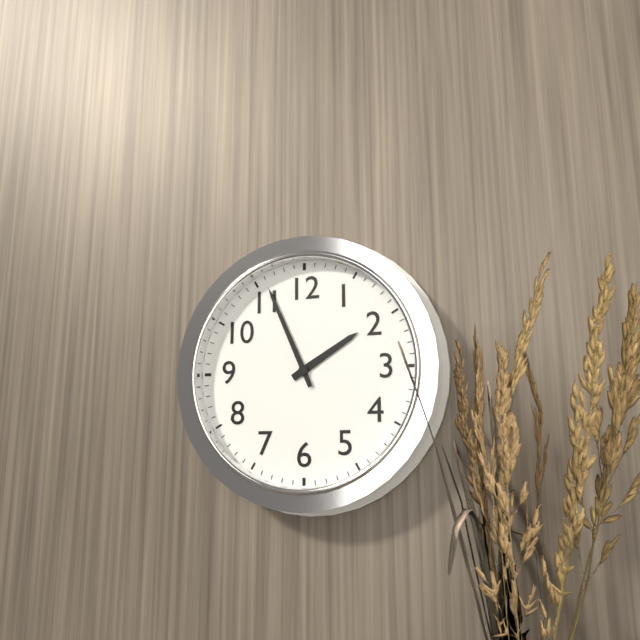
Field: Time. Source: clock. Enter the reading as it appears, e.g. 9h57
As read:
1h56
